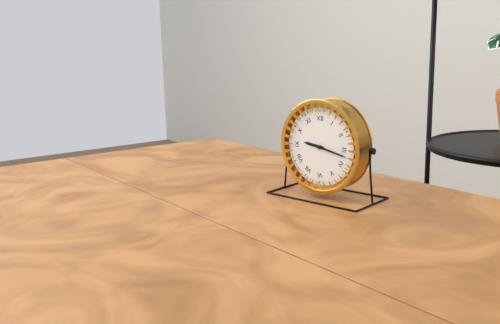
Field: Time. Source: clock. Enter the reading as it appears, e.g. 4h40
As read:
9h17
